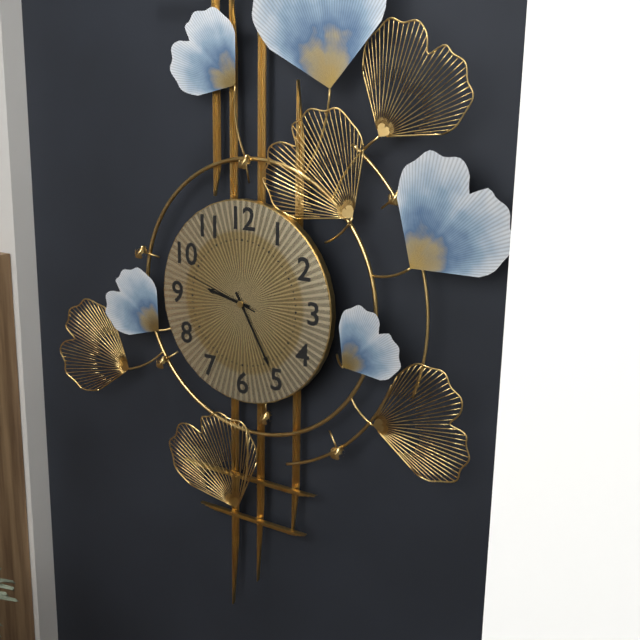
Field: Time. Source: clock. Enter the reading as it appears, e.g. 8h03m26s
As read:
9h25m48s
